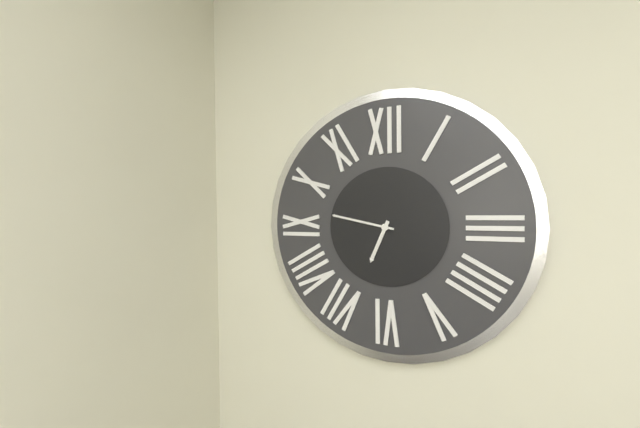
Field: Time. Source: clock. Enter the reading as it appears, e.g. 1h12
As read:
6h47
